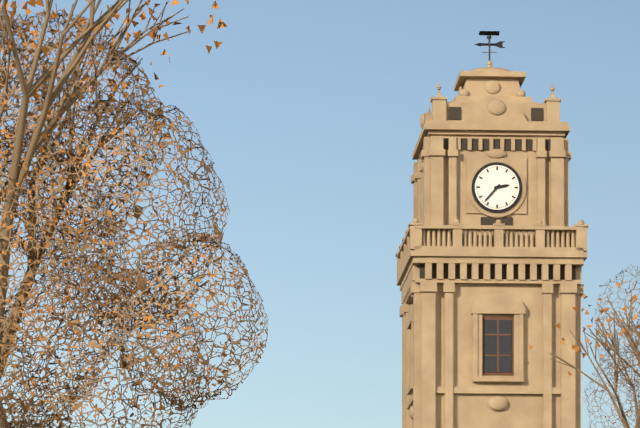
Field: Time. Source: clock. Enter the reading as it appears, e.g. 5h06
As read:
2h37
